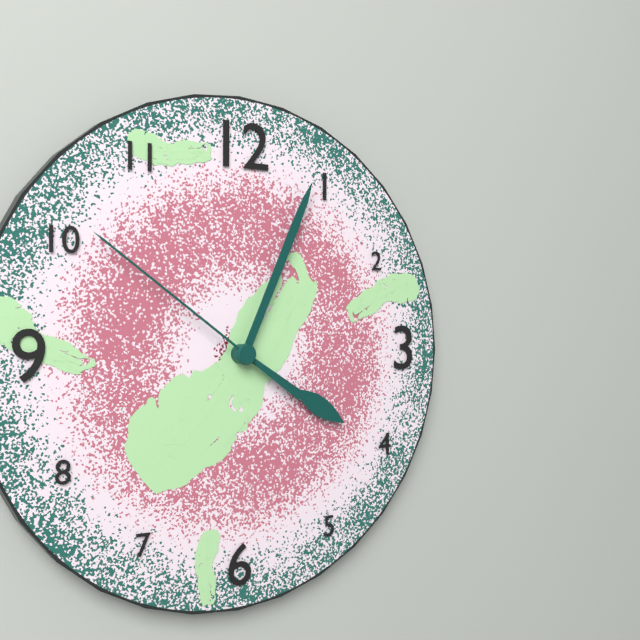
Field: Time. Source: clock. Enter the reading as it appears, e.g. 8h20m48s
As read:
4h04m51s
